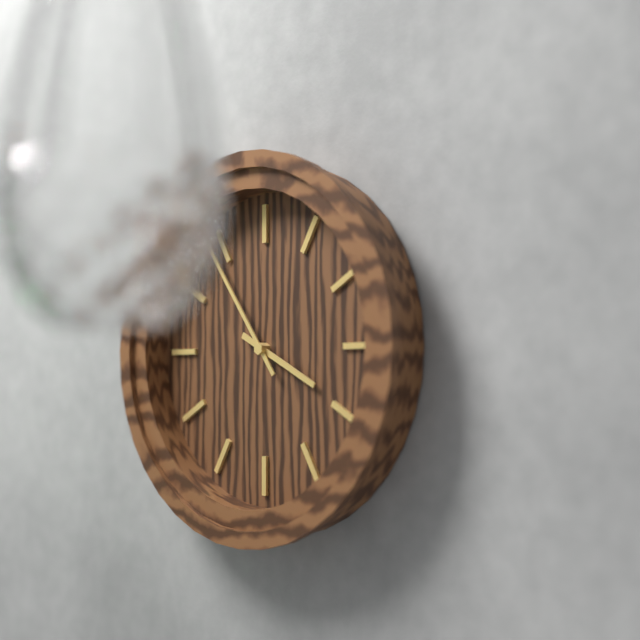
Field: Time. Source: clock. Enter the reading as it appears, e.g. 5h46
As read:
3h54
